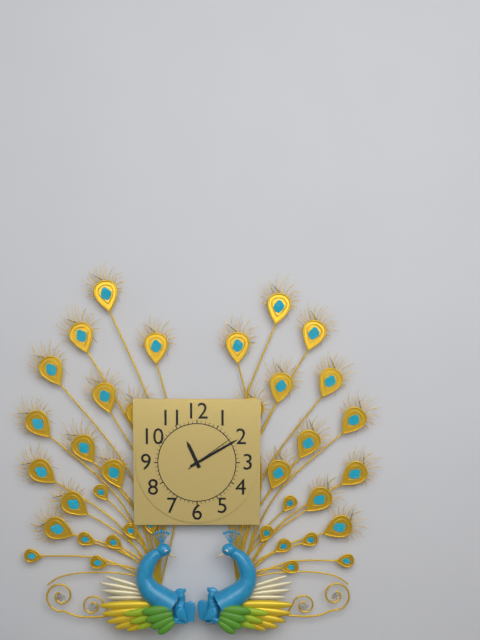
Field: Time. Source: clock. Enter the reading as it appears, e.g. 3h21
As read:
11h10
